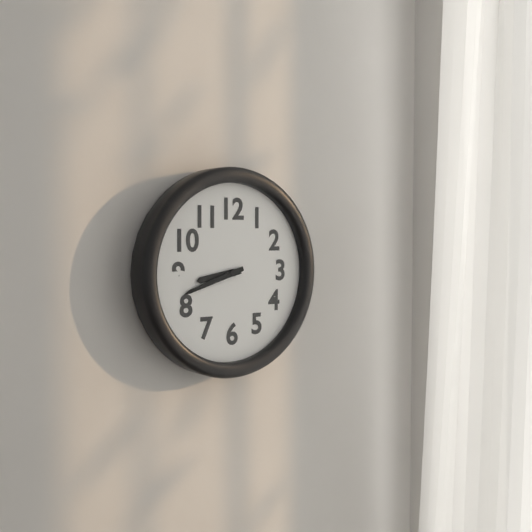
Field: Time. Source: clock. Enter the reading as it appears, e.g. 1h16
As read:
8h42
